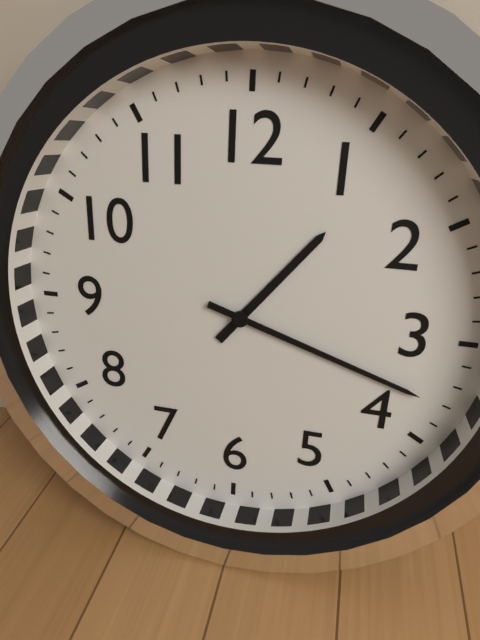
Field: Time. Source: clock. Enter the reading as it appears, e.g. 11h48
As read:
1h18
